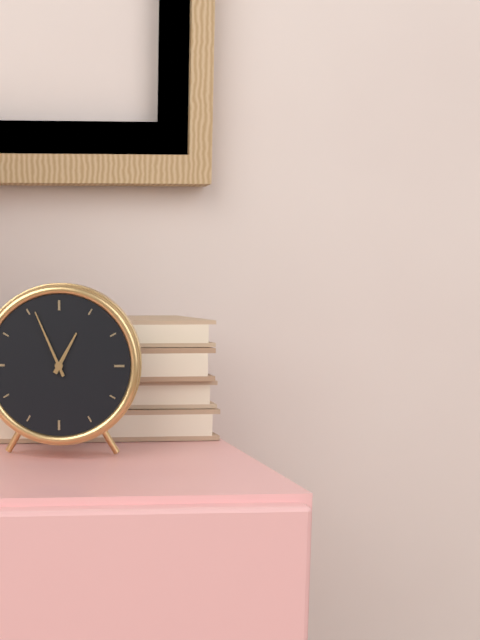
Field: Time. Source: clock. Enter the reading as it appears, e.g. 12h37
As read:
12h56
